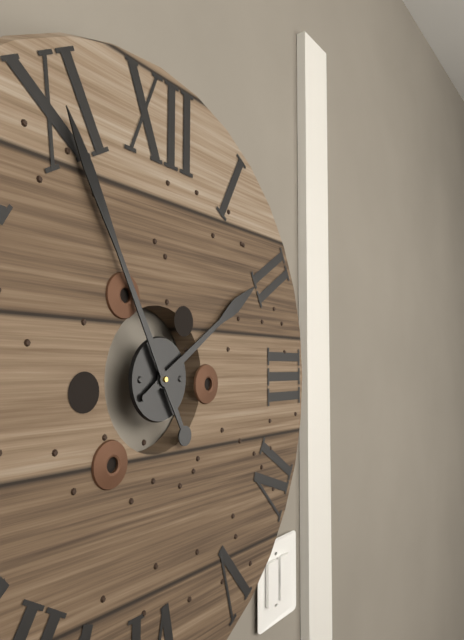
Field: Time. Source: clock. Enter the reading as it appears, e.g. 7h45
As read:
1h55
